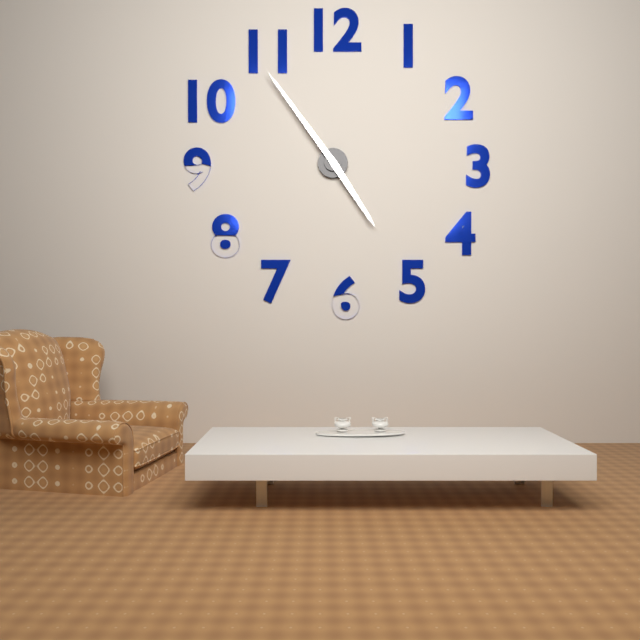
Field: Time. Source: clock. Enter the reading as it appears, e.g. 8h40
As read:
4h54
